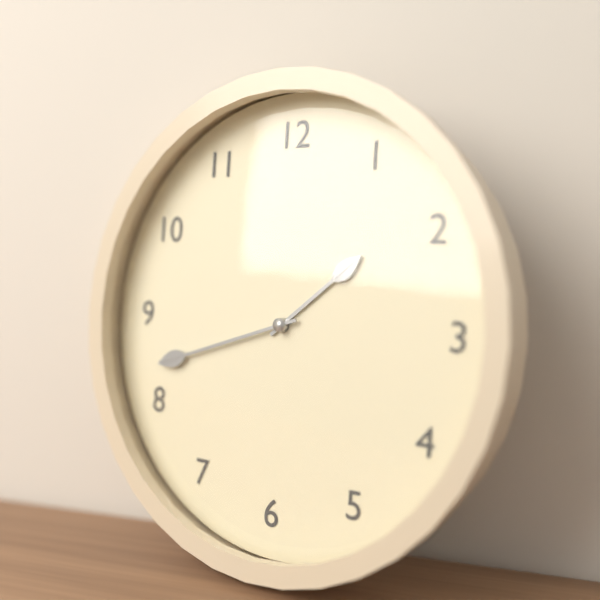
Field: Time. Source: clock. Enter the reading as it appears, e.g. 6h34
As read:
1h42
